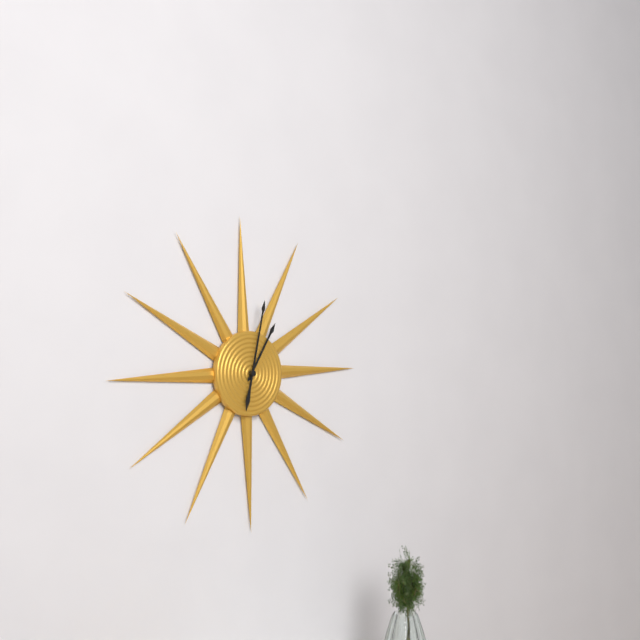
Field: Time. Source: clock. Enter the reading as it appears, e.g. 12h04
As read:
1h02
